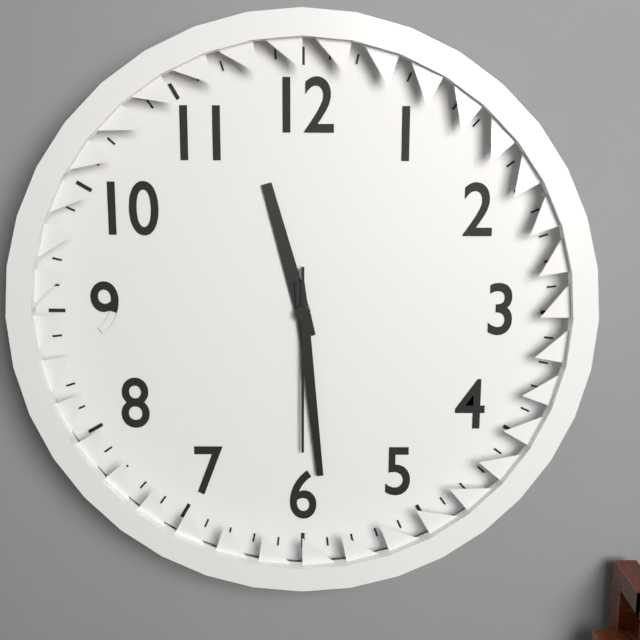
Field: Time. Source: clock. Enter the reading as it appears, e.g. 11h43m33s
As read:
11h29m30s
